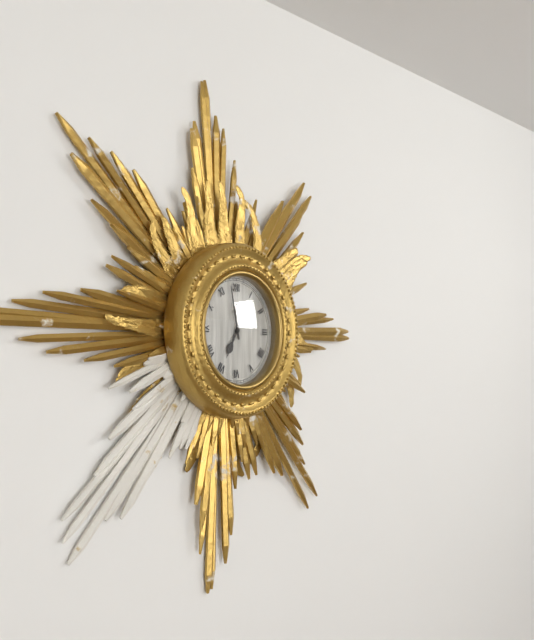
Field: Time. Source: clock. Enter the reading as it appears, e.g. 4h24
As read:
6h58
